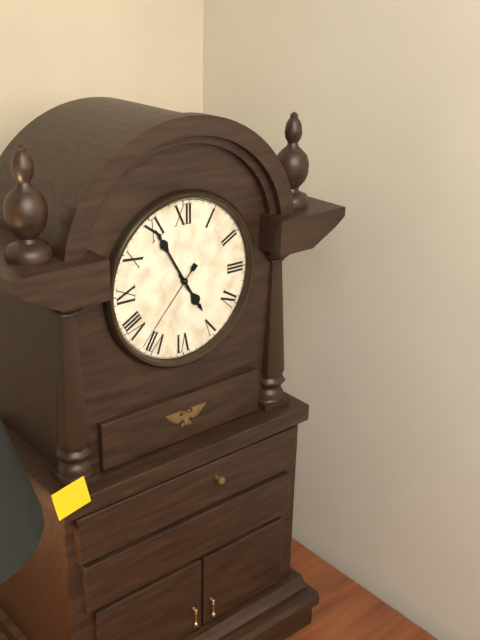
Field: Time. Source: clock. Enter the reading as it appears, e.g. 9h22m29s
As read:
4h55m37s
